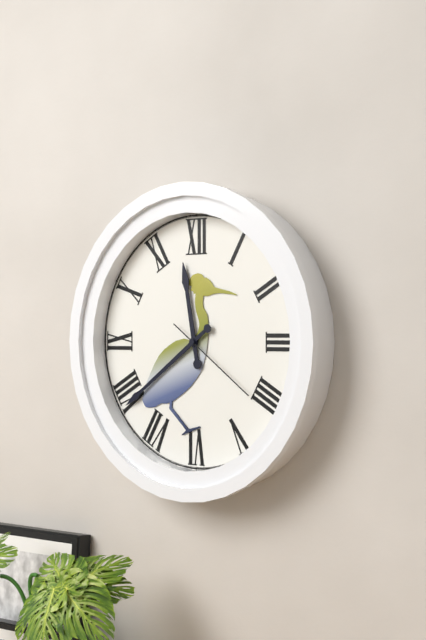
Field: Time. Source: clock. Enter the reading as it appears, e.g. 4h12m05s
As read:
11h39m21s
